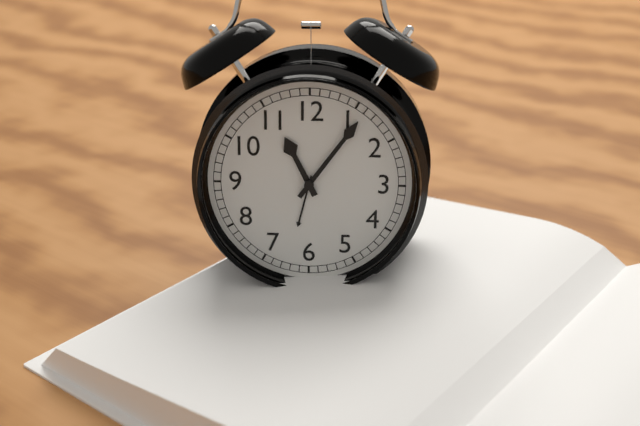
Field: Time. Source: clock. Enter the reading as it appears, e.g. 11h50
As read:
11h06
